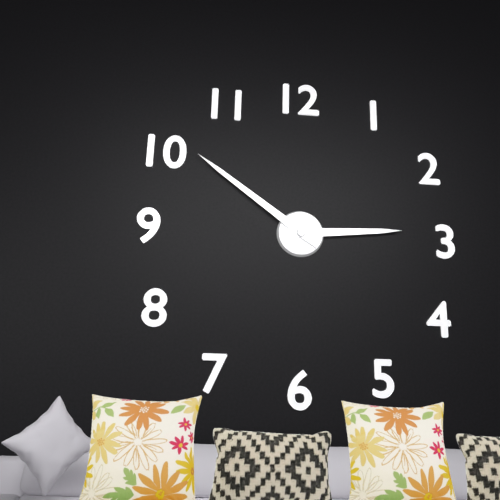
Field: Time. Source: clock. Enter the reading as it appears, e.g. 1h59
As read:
2h51
